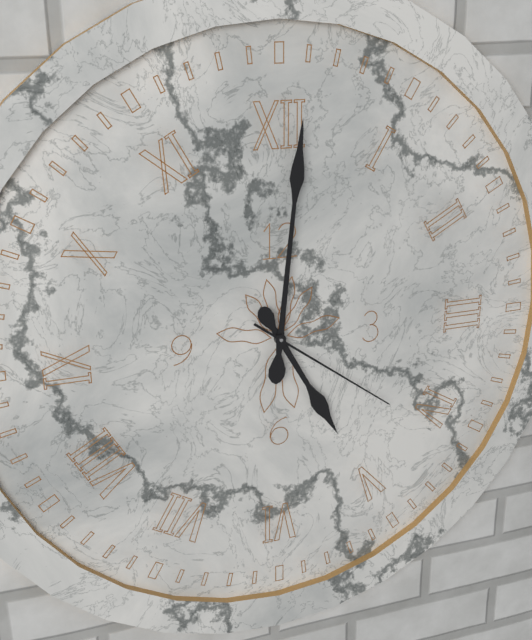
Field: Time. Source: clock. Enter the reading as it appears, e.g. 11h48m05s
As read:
5h01m21s
